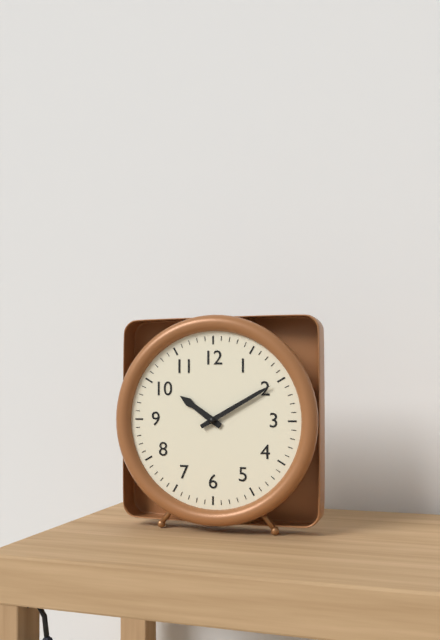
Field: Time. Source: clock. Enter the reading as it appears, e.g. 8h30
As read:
10h10
